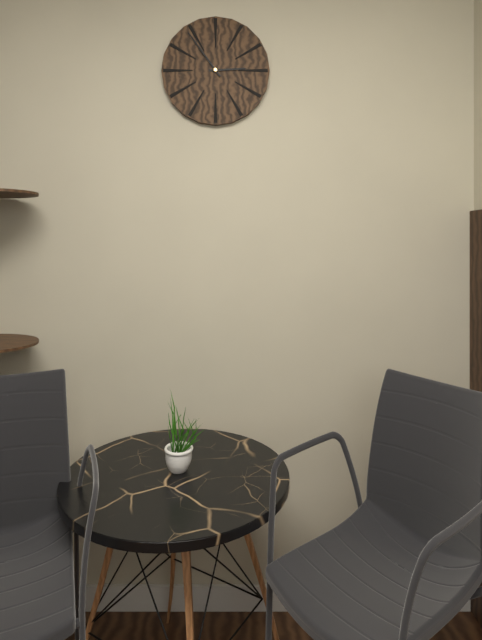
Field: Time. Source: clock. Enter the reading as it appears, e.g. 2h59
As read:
2h54
